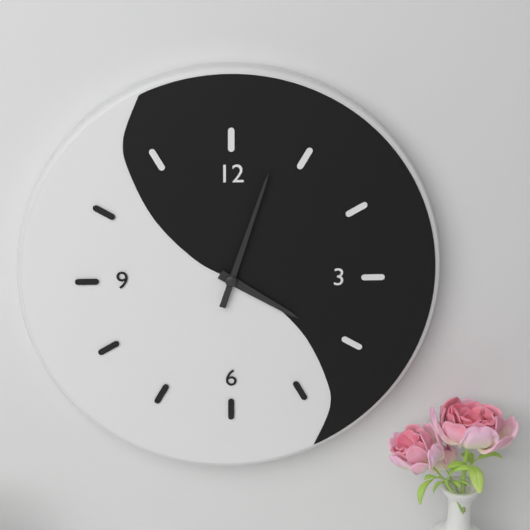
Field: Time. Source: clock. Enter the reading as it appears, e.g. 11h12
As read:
4h03
